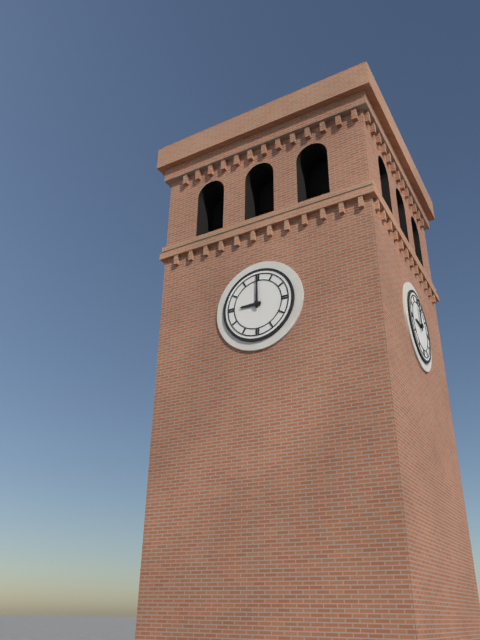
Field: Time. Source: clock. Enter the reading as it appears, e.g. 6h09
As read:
9h00
